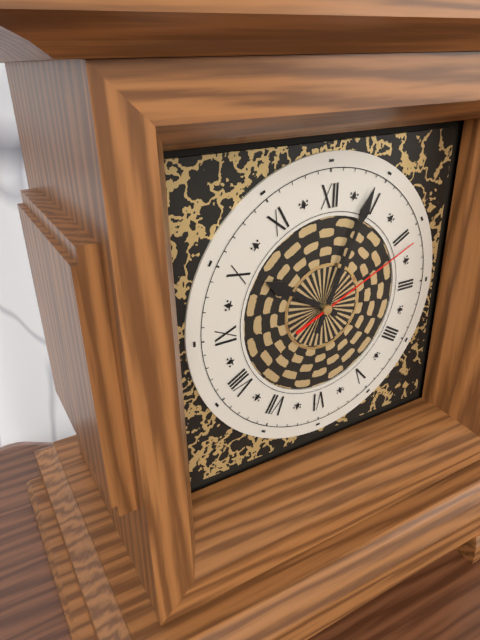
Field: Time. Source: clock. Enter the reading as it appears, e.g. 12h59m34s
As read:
10h04m11s
